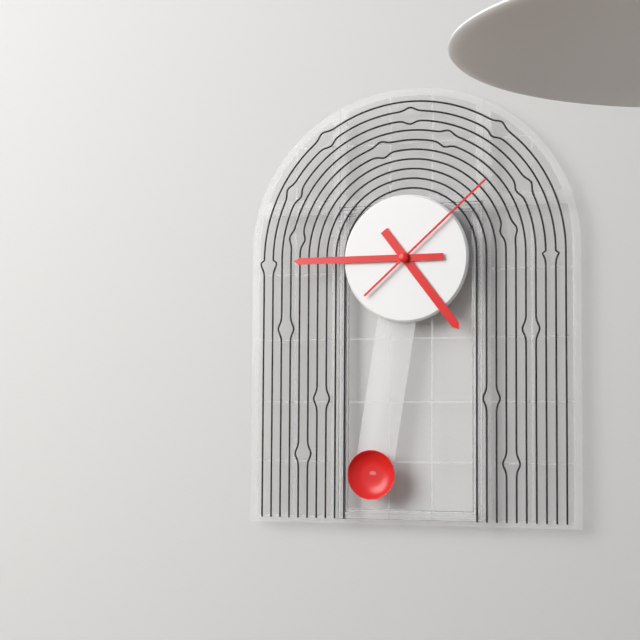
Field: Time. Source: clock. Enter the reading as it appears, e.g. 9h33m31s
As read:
4h45m08s
